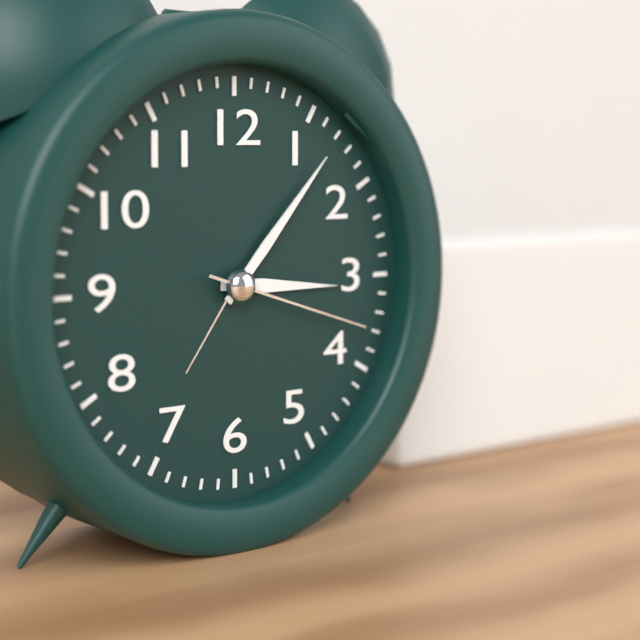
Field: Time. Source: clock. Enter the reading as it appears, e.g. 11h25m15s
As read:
3h07m18s
